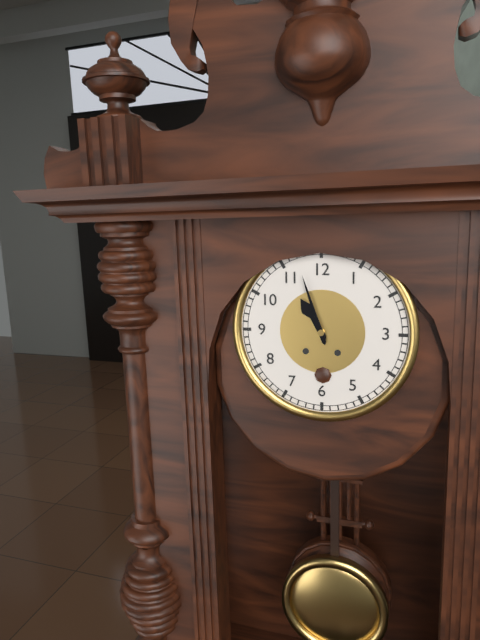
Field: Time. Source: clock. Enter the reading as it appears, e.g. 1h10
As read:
10h57
